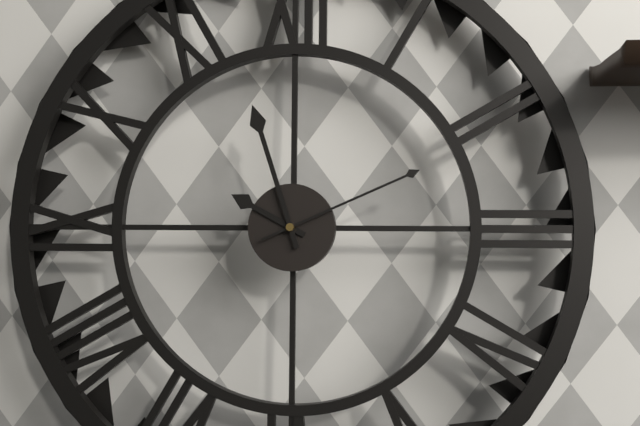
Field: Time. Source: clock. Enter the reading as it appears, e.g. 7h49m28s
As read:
9h57m11s
